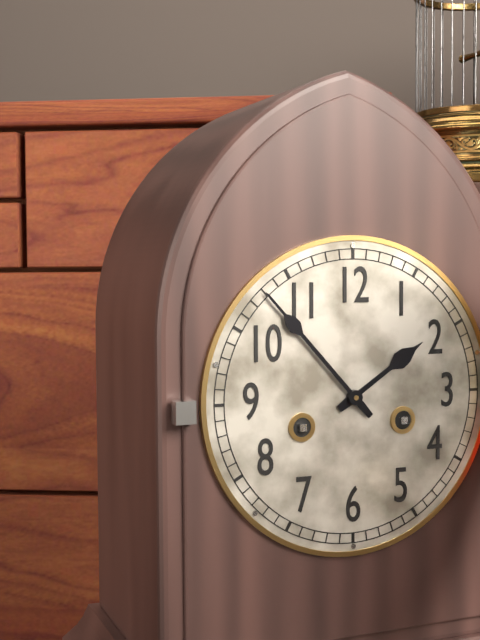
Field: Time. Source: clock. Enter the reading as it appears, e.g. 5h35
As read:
1h53
